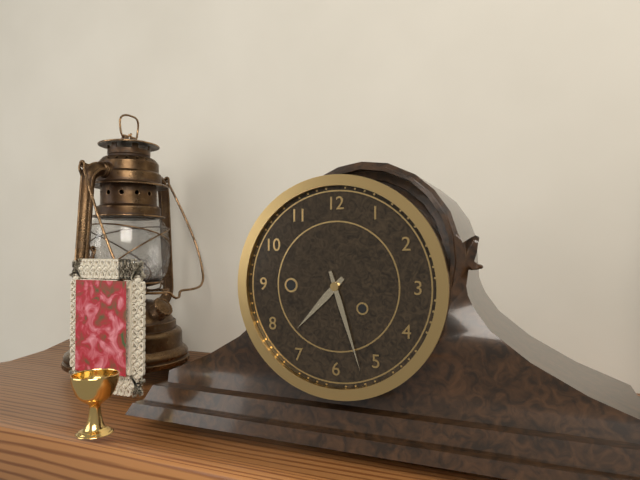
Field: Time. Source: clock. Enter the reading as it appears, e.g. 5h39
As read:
7h27
